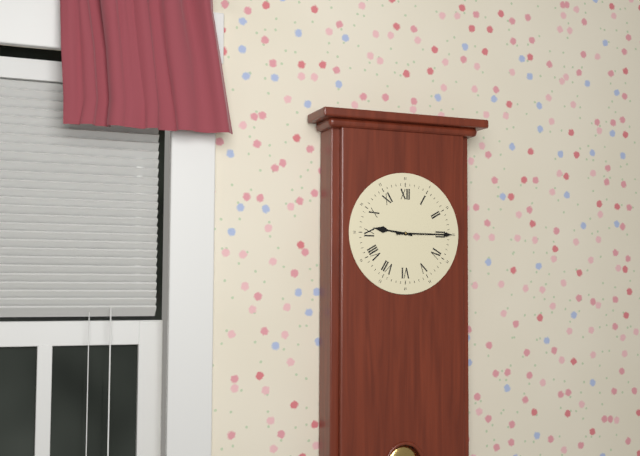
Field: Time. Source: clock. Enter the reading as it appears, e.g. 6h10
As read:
9h15
